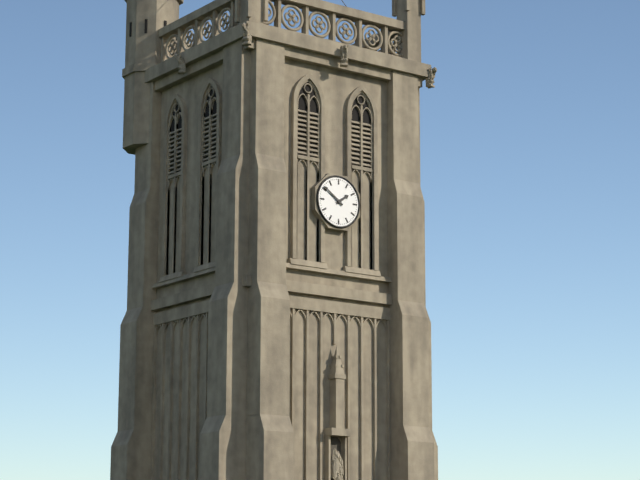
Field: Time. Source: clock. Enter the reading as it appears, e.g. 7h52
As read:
1h51
